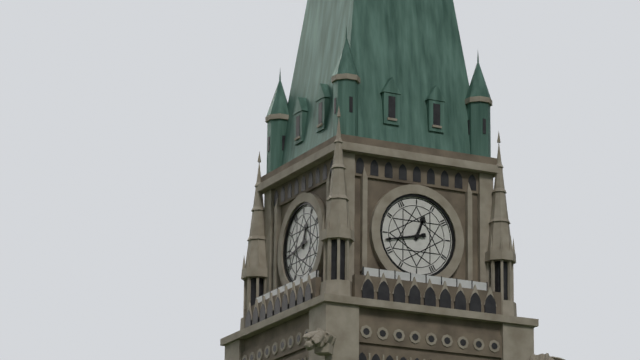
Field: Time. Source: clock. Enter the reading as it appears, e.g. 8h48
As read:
12h43
